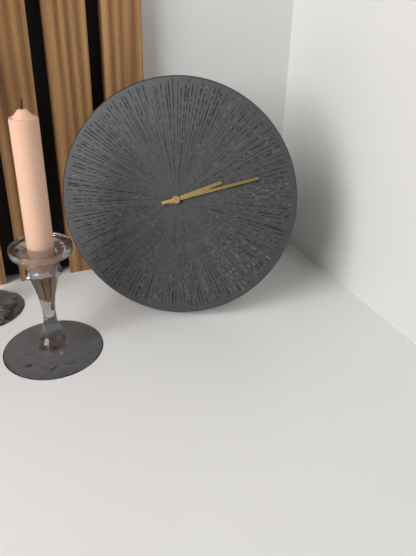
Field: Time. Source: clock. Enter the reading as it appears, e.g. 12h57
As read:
2h12
